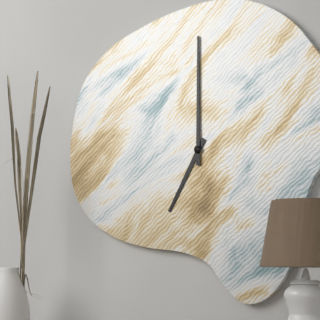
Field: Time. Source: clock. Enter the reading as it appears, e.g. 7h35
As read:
7h00
